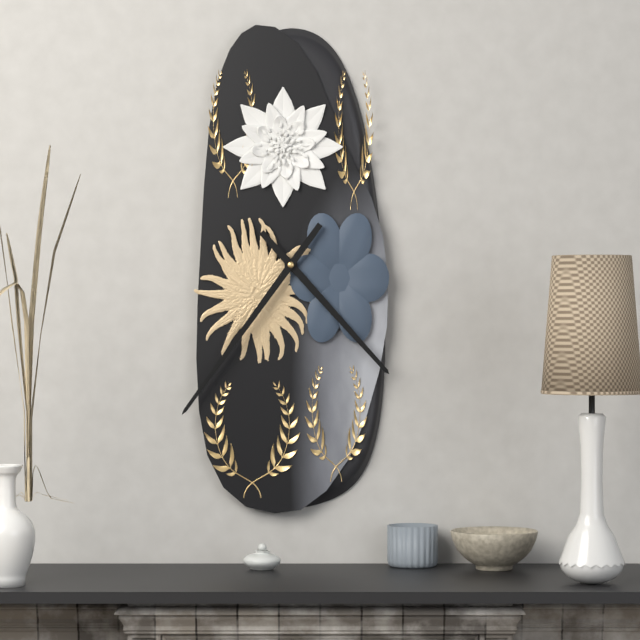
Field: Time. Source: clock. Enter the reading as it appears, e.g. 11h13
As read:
4h36
